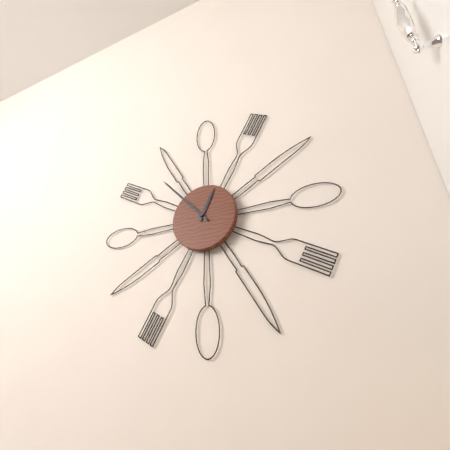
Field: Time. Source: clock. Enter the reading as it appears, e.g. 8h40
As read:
12h53
